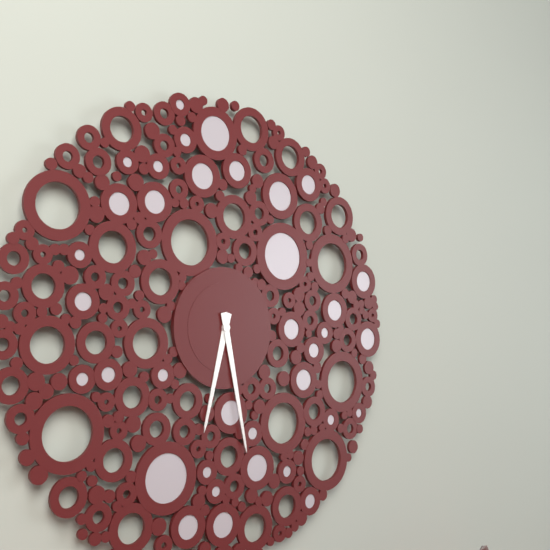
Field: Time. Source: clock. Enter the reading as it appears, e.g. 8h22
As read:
6h28
